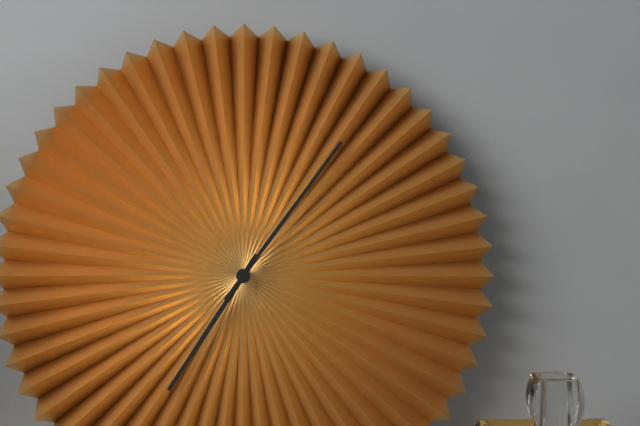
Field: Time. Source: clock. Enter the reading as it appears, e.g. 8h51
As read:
7h06
